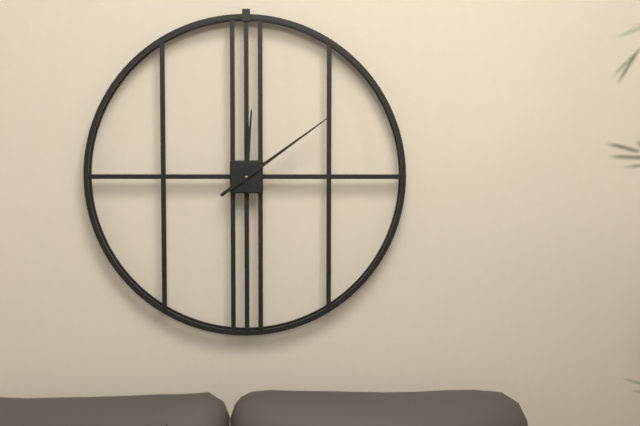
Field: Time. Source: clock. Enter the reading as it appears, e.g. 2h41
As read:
12h09
